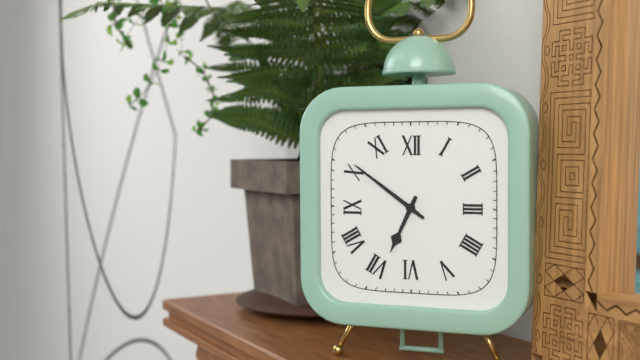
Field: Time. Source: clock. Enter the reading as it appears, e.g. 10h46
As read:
6h51
